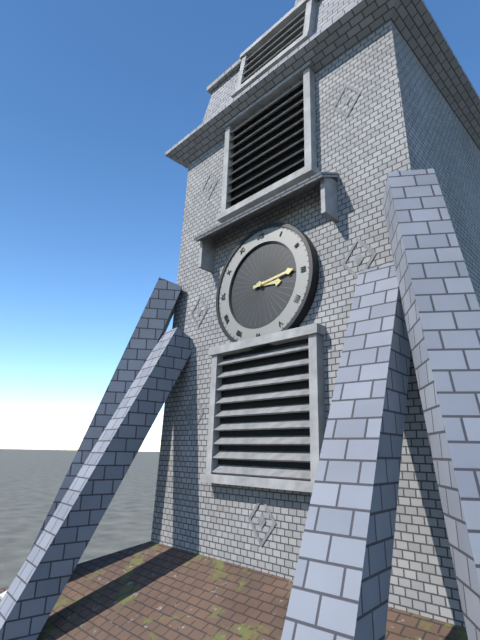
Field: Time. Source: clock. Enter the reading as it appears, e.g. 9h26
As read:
3h14
